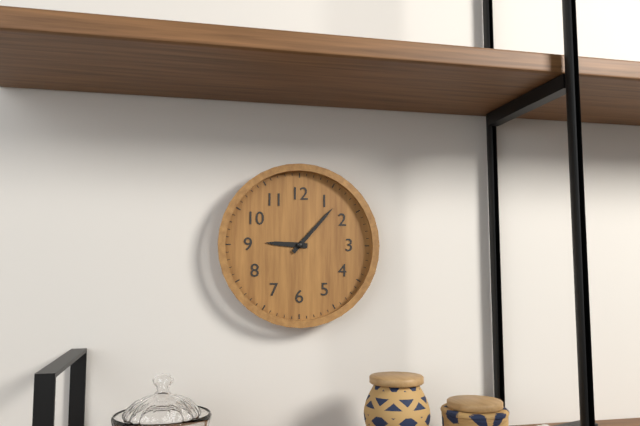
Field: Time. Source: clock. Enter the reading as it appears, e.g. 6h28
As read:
9h07
